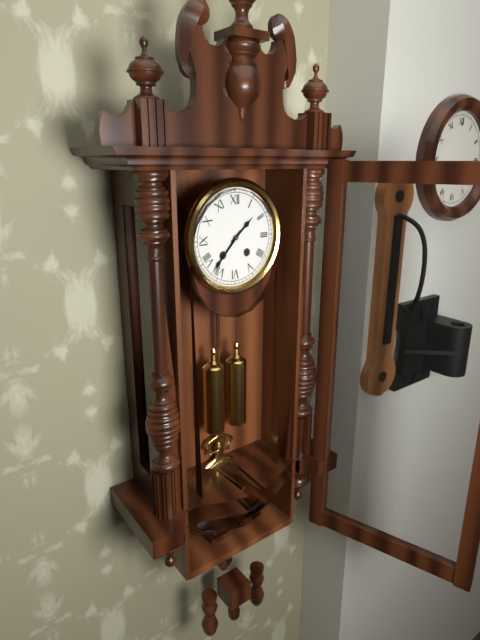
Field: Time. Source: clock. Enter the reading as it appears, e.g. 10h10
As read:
1h37
